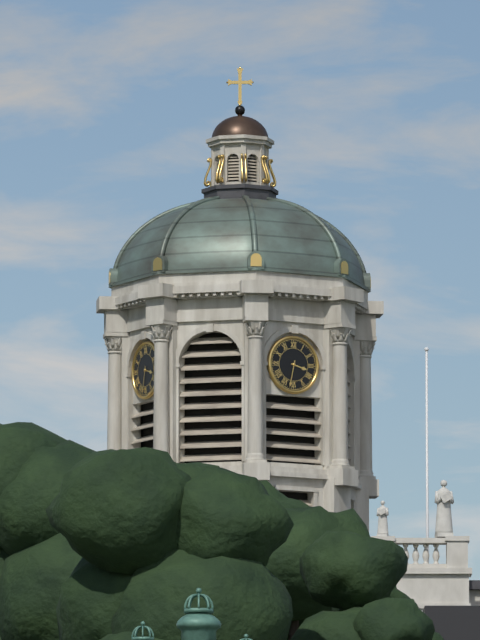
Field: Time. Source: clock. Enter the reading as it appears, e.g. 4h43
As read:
3h32
